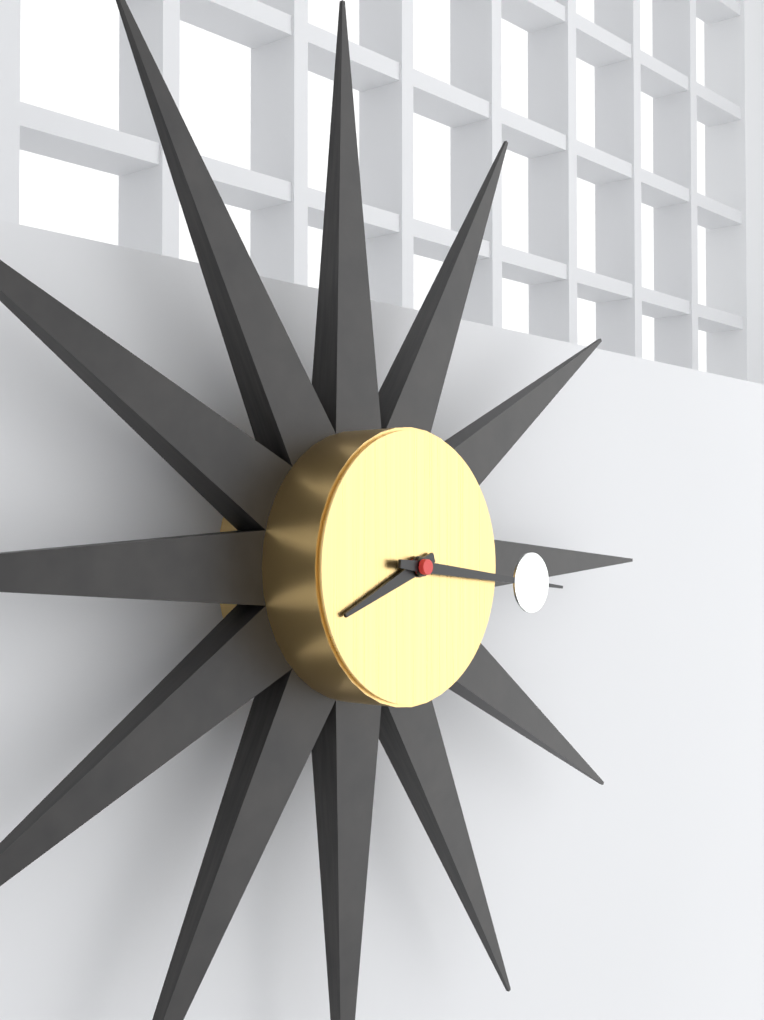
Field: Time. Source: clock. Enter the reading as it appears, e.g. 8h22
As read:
8h16
